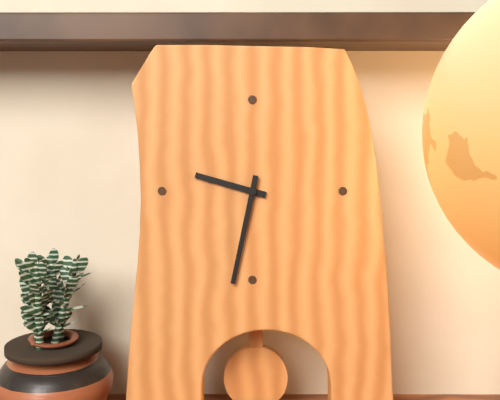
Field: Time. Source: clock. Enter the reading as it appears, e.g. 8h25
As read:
9h32
